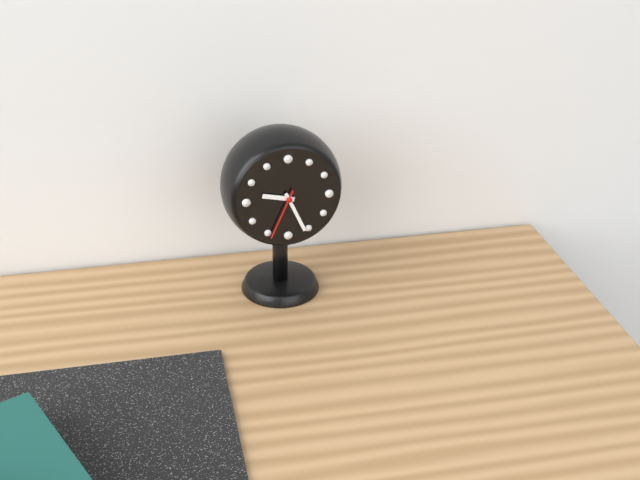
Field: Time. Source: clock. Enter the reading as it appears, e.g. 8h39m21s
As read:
9h26m34s
